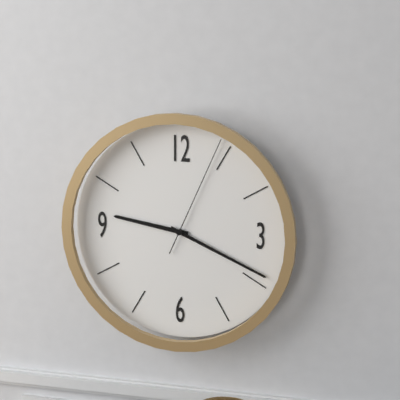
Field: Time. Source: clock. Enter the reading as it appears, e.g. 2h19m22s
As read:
9h19m04s
